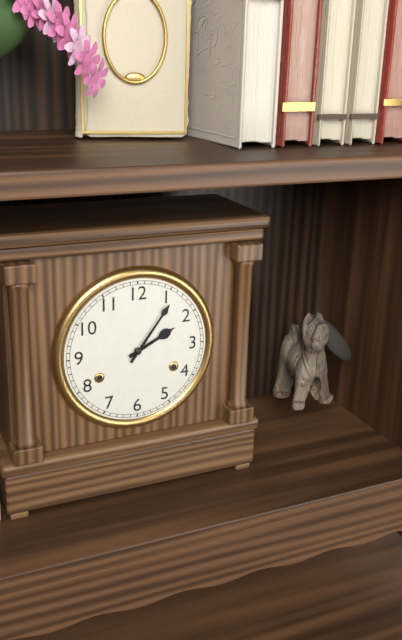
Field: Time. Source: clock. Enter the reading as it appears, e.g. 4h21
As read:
2h06
